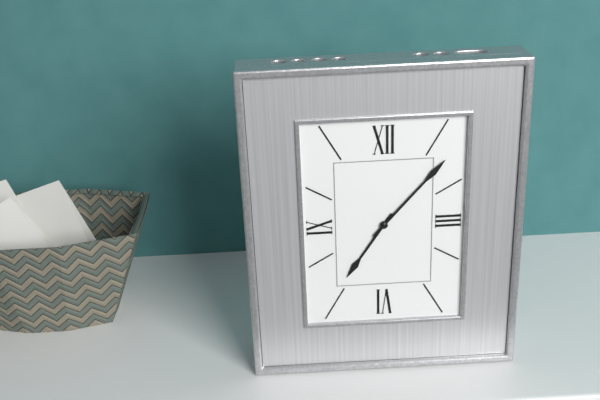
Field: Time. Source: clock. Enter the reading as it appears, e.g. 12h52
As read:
7h07
